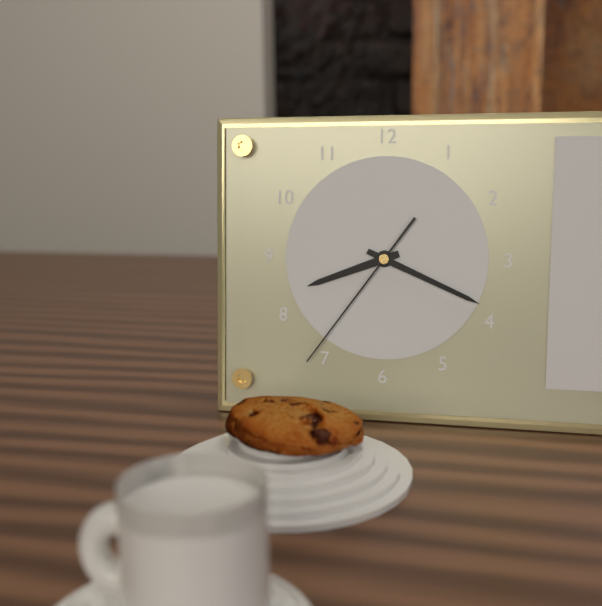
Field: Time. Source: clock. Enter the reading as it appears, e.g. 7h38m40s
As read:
8h19m36s
